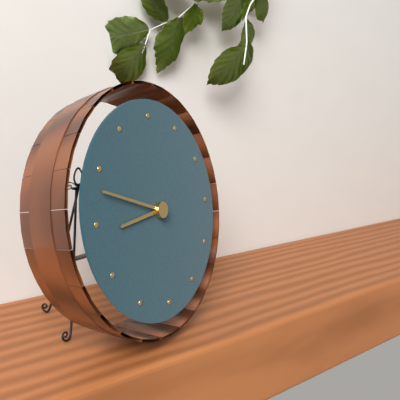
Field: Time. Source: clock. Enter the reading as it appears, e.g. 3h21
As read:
8h48
